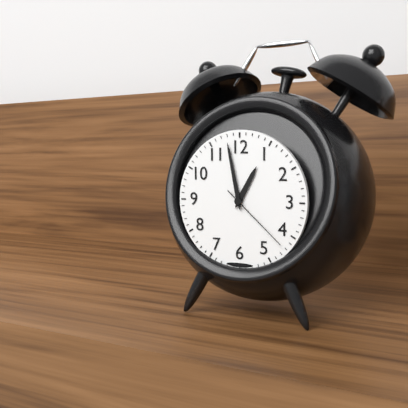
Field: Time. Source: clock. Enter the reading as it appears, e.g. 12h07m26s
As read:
12h58m22s
